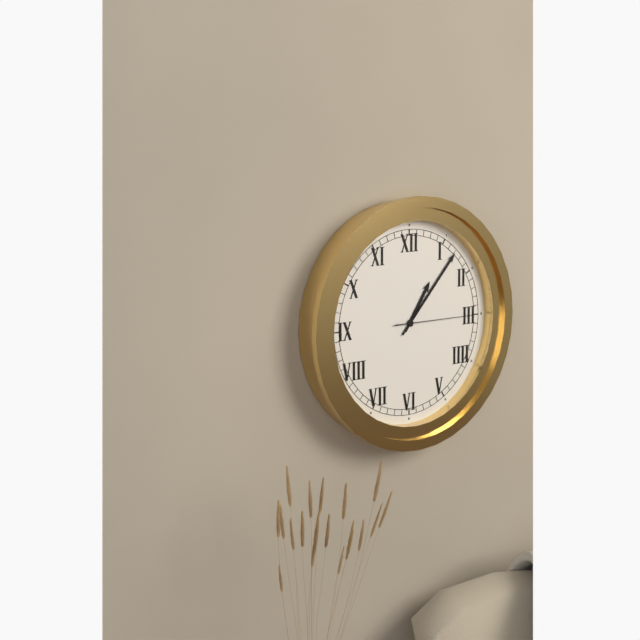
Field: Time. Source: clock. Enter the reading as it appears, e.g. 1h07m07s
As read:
1h07m15s
